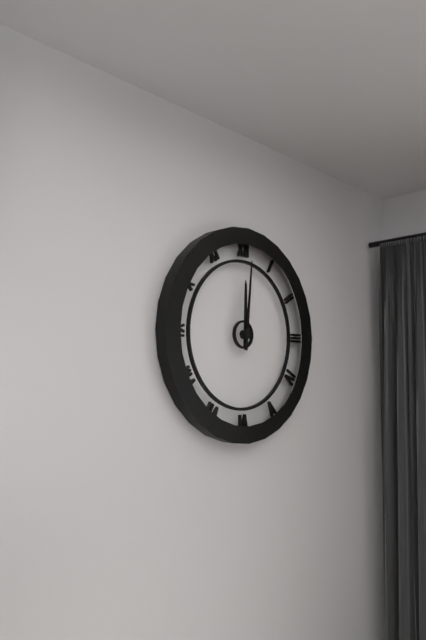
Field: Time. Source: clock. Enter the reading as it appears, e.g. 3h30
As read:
12h01
